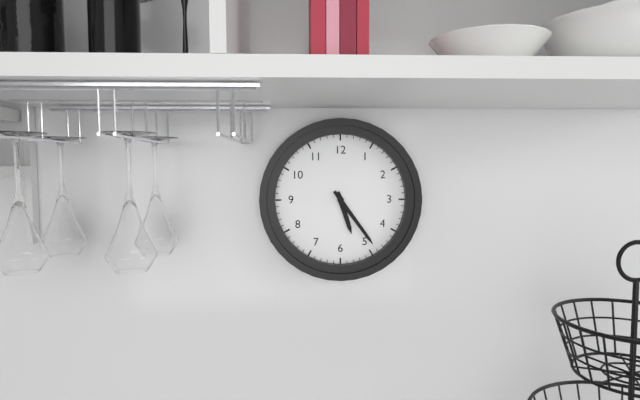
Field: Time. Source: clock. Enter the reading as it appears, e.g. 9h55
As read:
5h24
